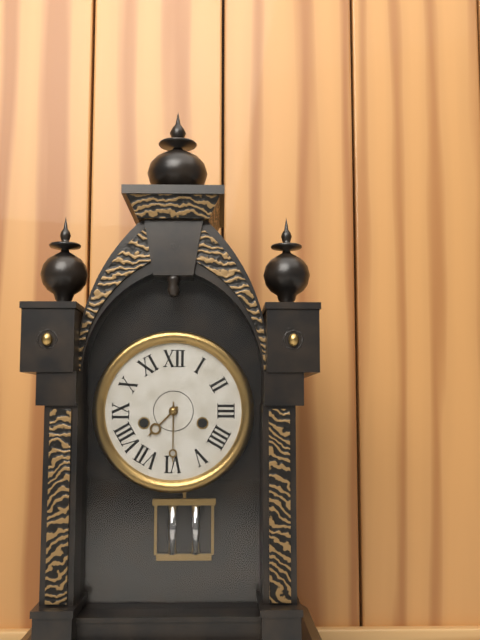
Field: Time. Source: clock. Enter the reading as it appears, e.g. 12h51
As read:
7h30
